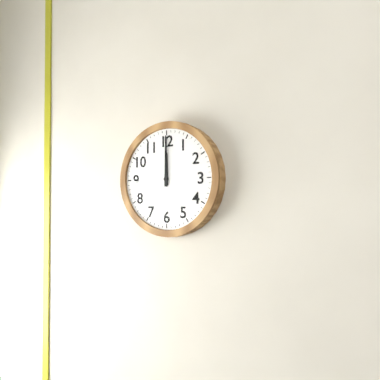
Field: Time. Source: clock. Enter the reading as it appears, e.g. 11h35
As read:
12h00
